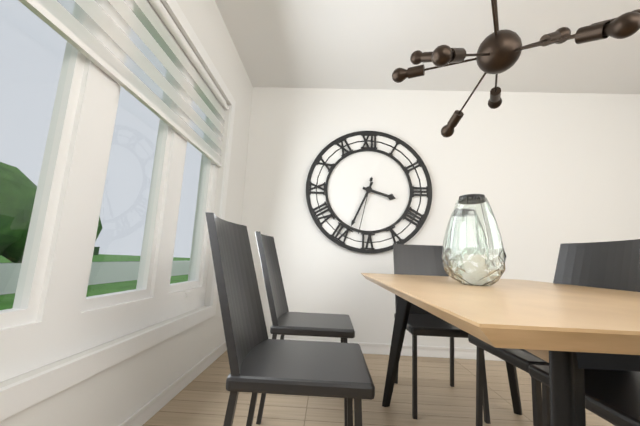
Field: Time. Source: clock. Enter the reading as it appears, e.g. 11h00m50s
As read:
3h34m32s
